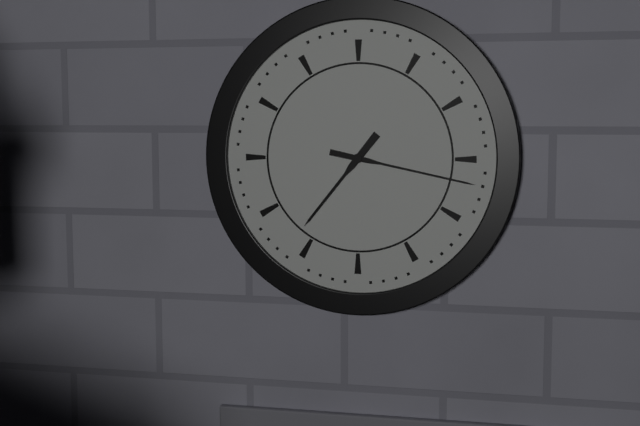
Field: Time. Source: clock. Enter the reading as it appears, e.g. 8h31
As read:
7h17
